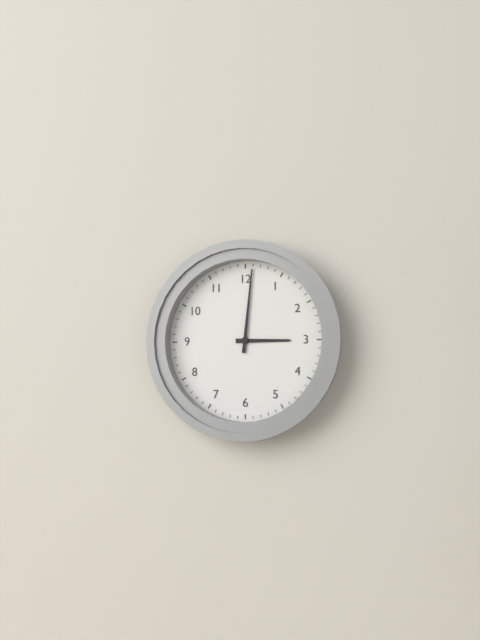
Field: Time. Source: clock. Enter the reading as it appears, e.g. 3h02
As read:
3h01
